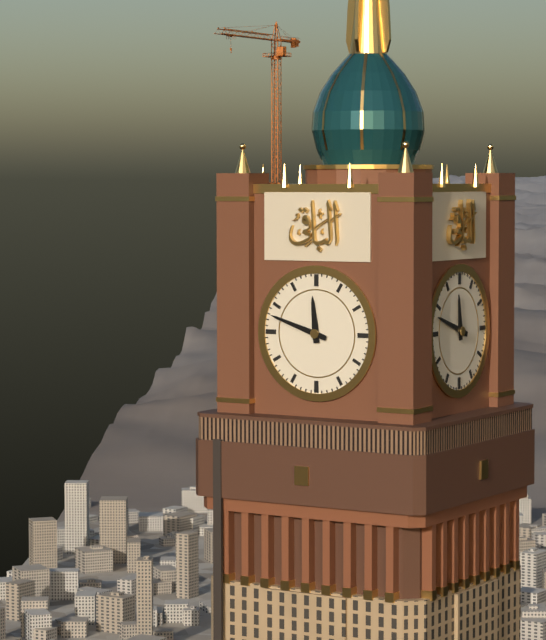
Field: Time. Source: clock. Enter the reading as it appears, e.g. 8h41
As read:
11h48
